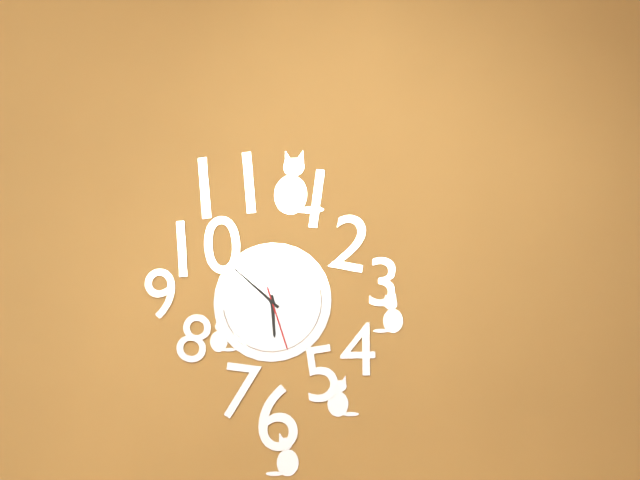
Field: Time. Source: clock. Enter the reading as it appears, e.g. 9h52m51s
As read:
5h52m27s
